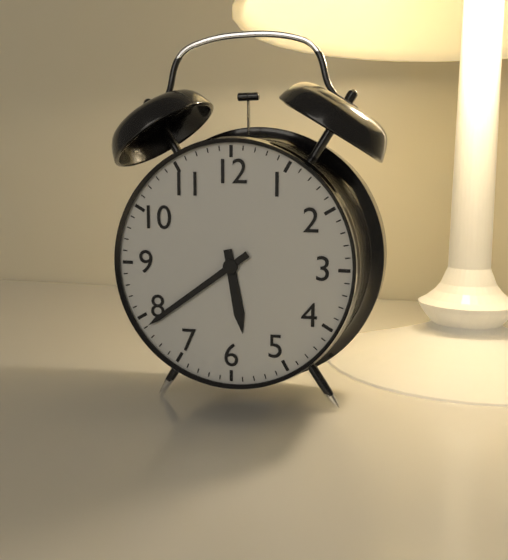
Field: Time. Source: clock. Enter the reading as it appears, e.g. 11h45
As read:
5h39
